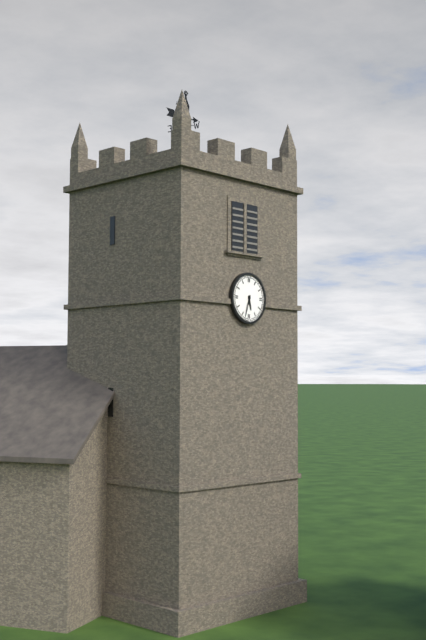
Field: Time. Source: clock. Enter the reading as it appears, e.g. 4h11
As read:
5h33
